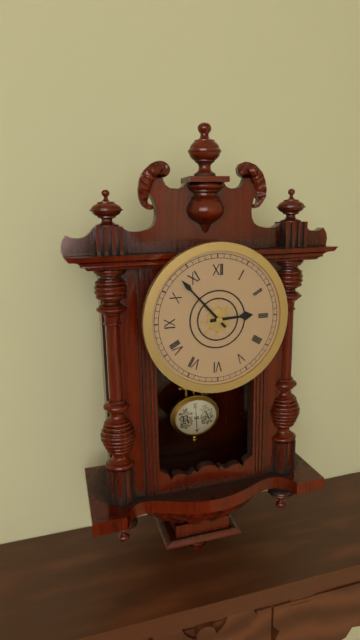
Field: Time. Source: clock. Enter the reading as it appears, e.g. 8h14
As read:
2h53
